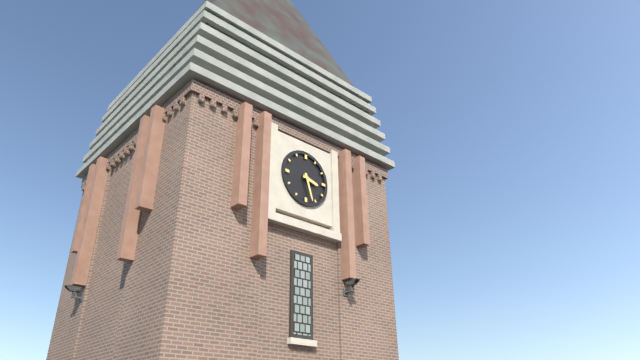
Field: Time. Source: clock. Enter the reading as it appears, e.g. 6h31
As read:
3h27
